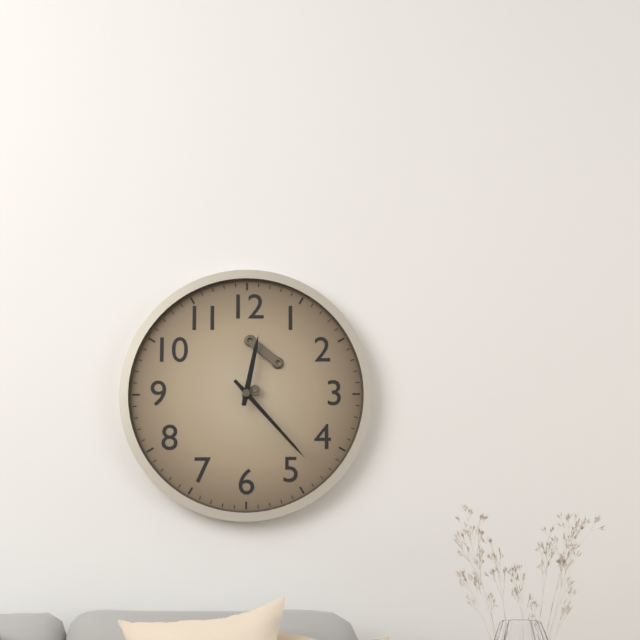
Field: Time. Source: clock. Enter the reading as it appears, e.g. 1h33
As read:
12h23
